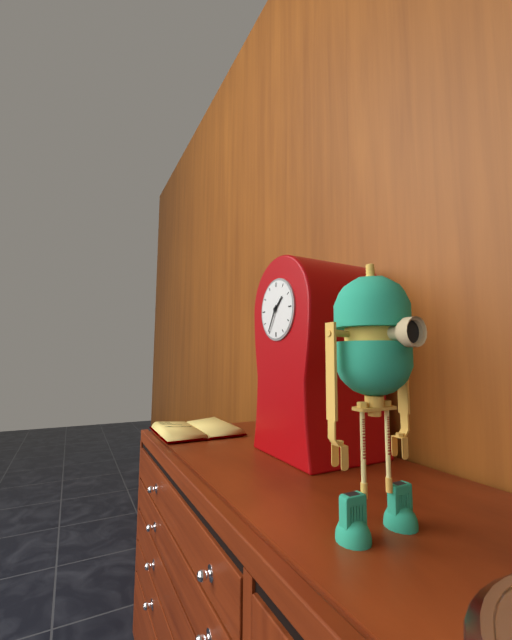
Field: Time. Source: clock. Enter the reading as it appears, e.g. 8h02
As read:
1h35
